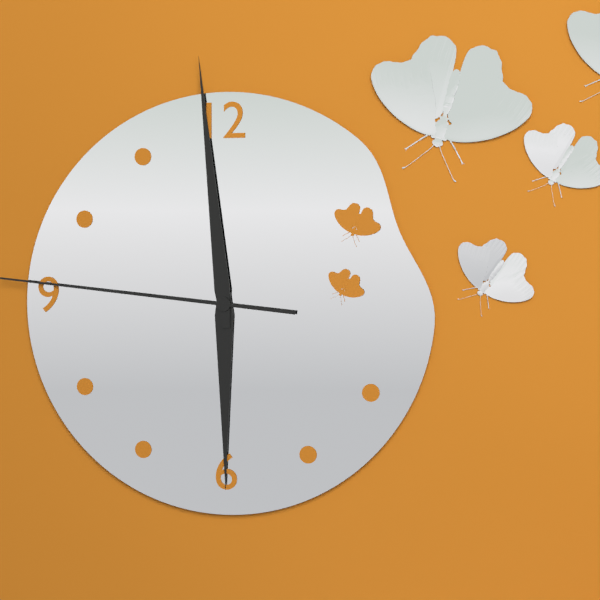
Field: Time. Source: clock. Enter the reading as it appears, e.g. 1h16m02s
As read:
5h59m46s
